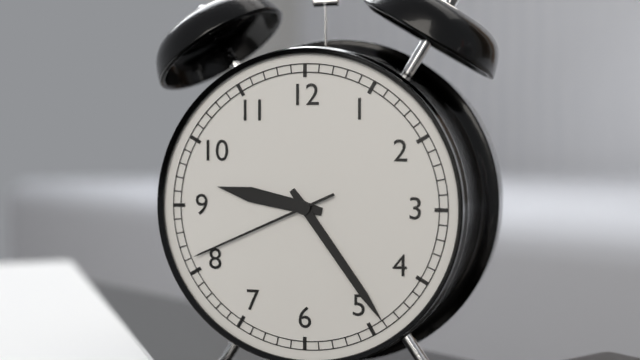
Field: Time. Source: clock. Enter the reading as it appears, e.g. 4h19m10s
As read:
9h24m41s
